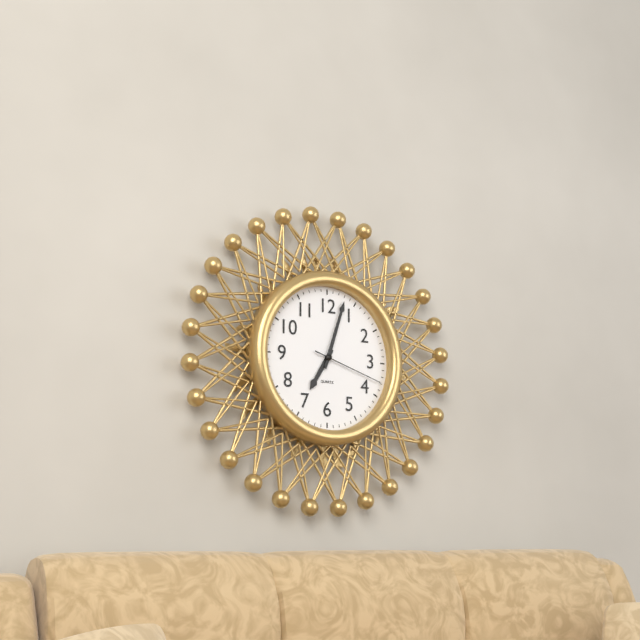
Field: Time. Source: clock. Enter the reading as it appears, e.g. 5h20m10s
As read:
7h03m18s
